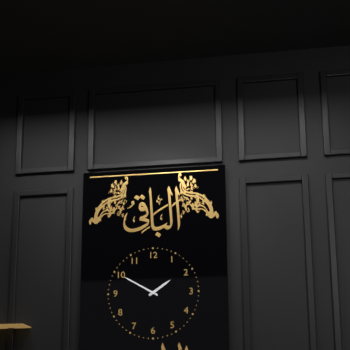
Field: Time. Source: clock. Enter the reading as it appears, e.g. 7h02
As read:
1h50
